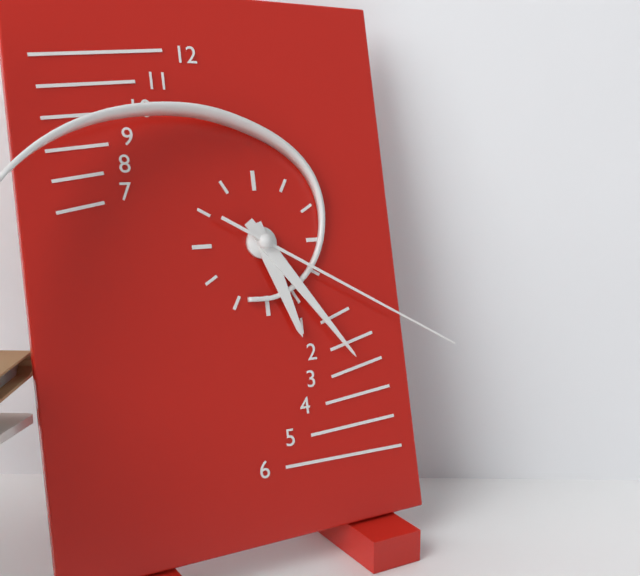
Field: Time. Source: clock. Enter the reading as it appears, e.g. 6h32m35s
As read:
5h24m20s
